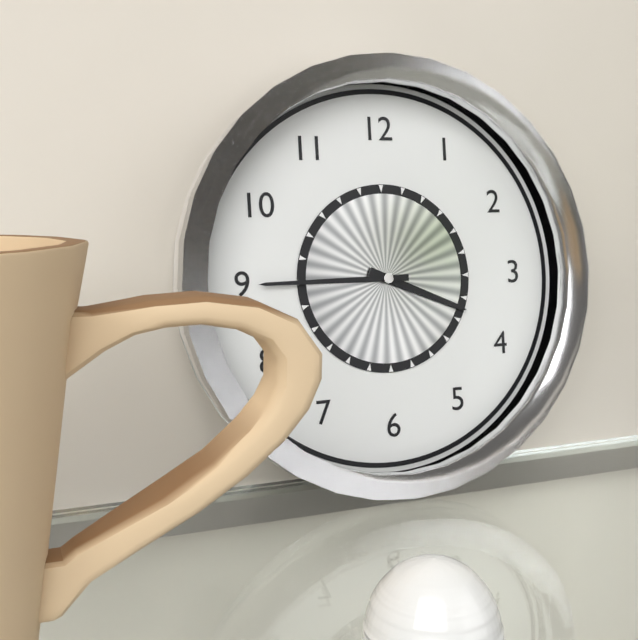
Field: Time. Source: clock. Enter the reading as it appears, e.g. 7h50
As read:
3h45
